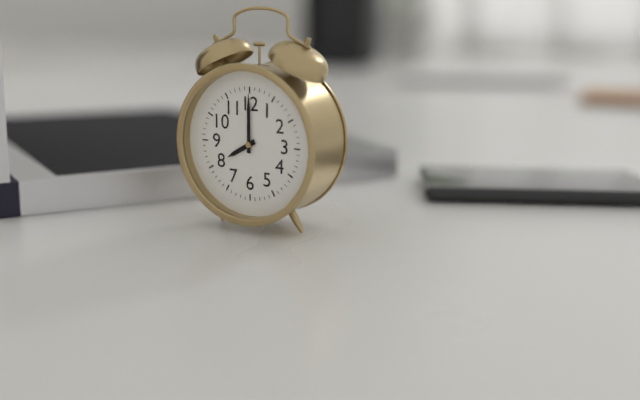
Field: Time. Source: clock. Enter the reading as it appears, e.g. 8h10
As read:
8h00
